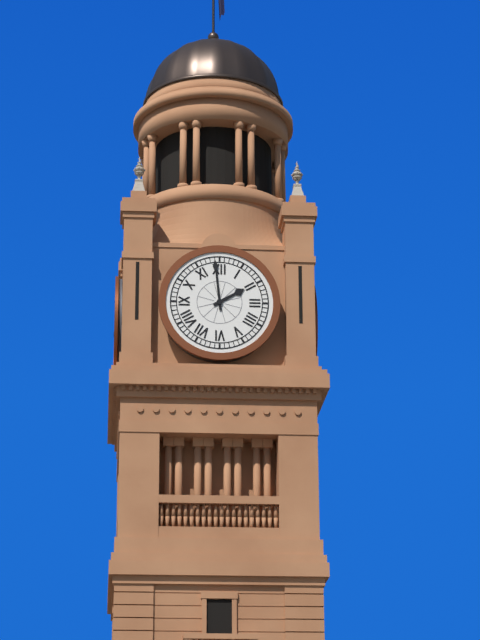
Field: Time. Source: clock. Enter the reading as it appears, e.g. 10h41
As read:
1h59
